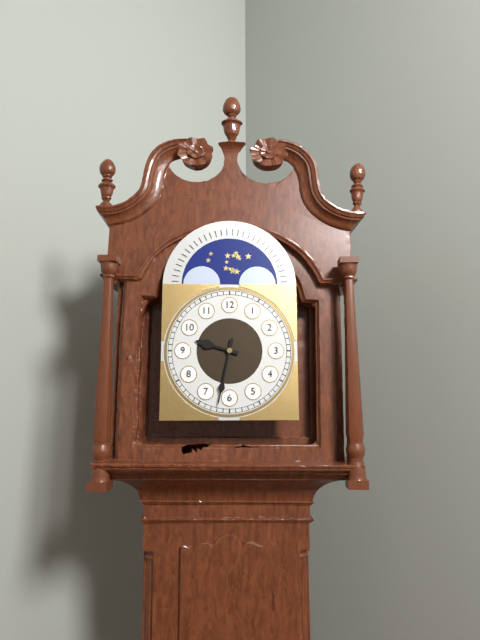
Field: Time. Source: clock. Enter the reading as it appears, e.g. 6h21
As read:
9h32
